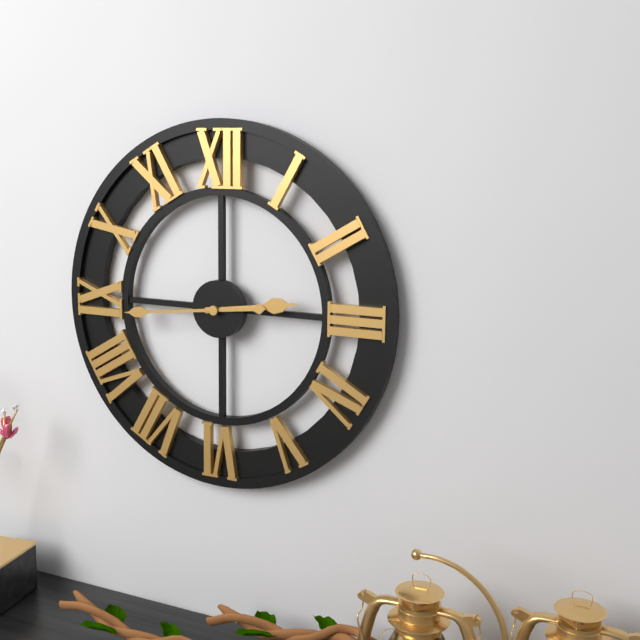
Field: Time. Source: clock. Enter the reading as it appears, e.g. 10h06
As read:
2h44
